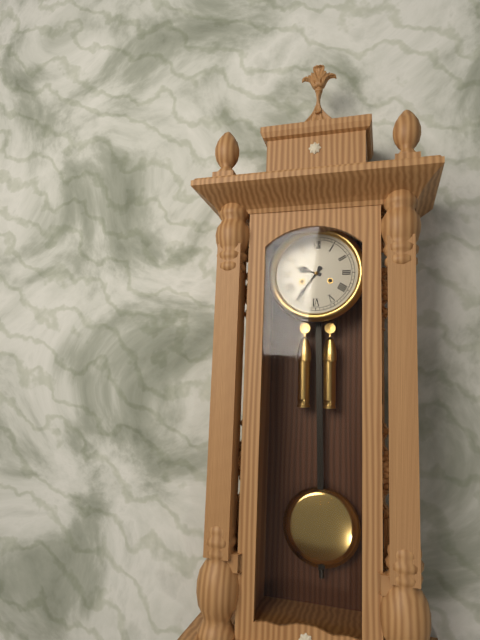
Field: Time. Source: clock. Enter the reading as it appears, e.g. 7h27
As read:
9h36
